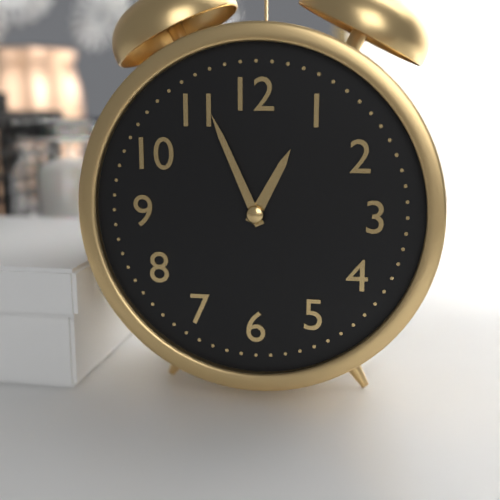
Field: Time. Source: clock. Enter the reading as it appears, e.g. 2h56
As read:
12h56
